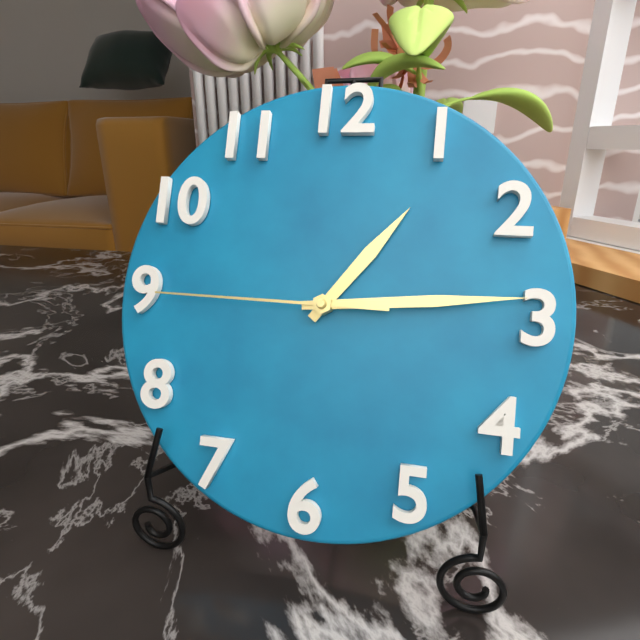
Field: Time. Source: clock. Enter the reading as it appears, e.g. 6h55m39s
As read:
1h14m45s
